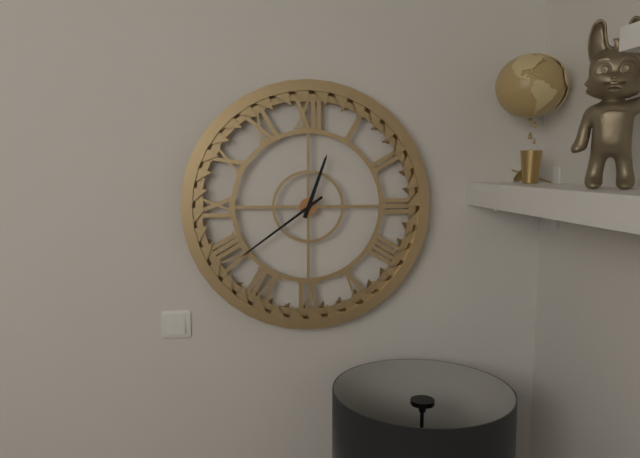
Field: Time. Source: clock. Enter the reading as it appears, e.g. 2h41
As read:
12h39
